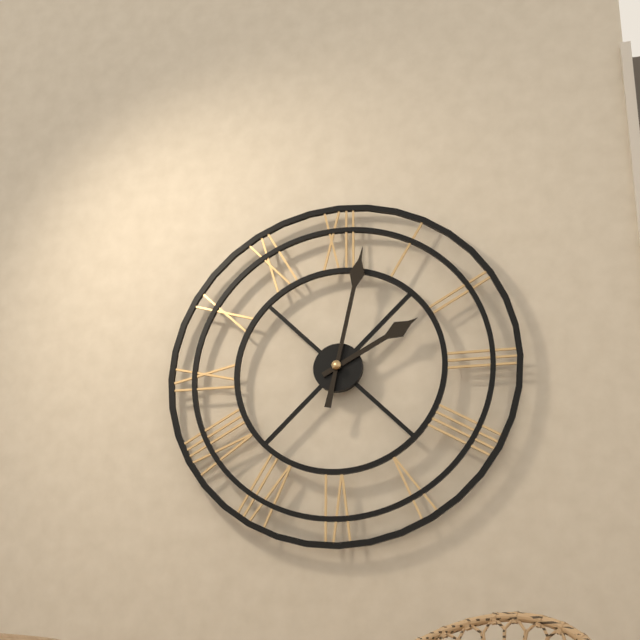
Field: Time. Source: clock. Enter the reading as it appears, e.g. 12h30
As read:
2h02
